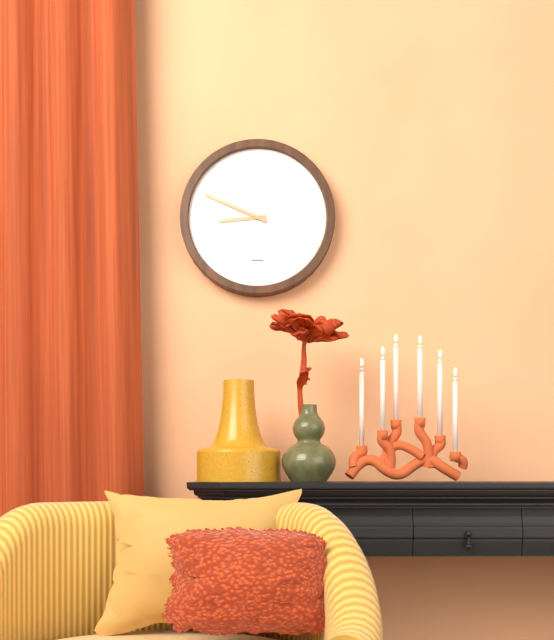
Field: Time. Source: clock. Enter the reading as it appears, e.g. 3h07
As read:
8h49
